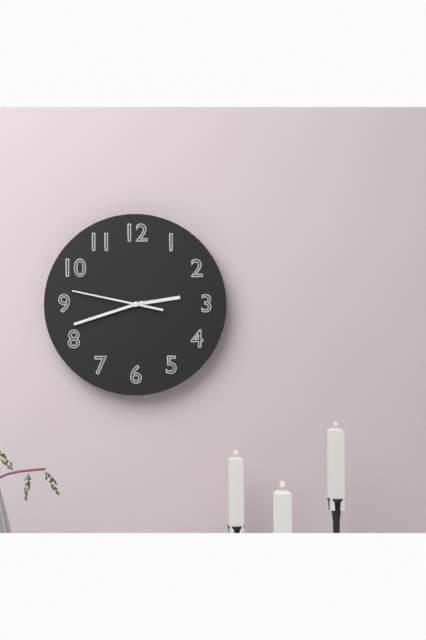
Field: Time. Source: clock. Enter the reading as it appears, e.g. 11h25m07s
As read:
2h42m47s
